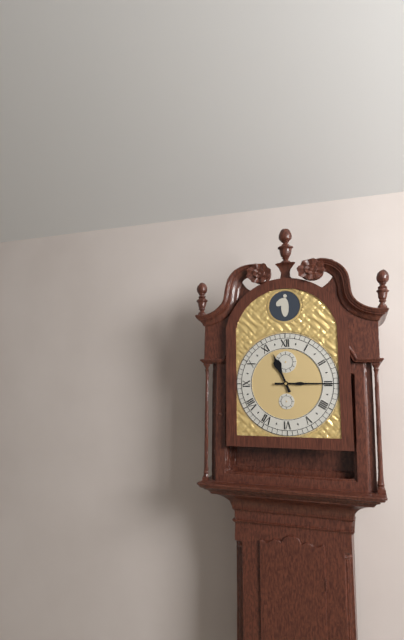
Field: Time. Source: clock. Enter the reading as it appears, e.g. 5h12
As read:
11h15
